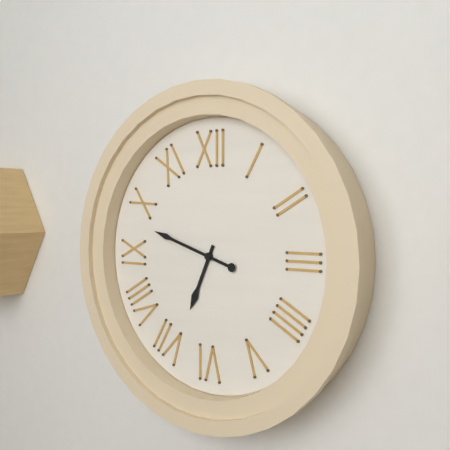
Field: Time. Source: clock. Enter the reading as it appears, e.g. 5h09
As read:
6h48
